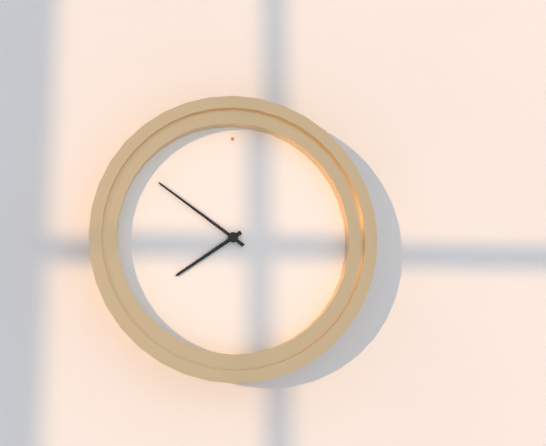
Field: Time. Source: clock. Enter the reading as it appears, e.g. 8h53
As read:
7h51
